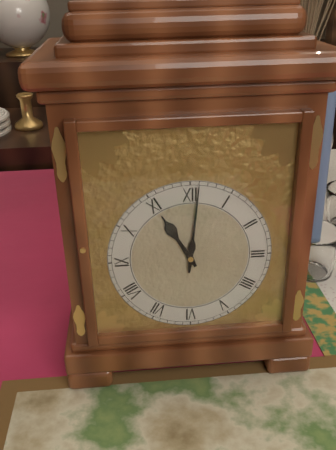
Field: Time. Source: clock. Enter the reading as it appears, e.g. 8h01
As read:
11h01
